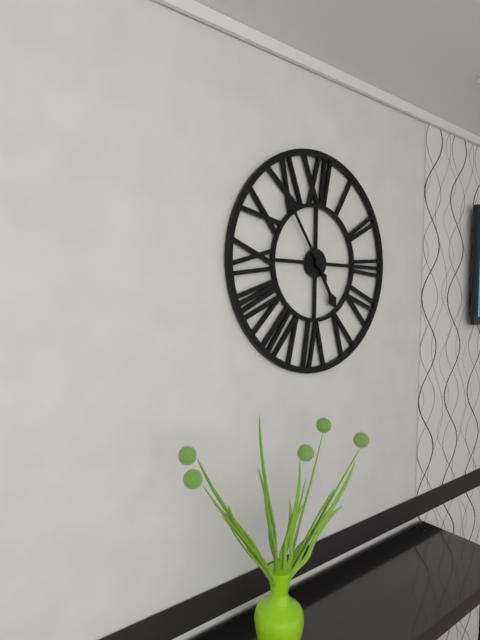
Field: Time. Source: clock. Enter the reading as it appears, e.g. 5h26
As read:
4h54
